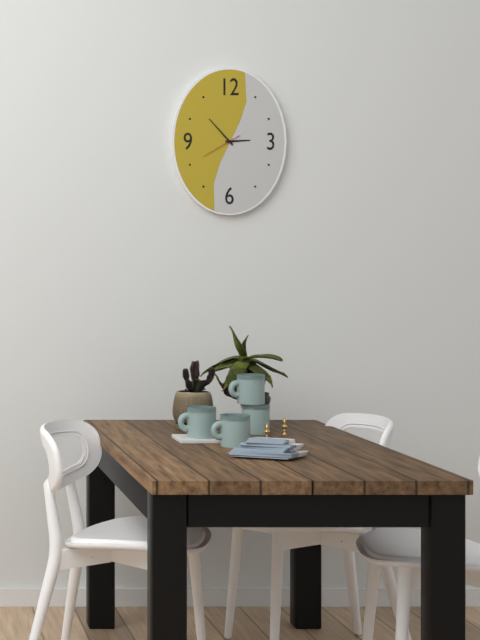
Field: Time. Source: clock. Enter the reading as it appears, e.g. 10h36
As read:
2h53
